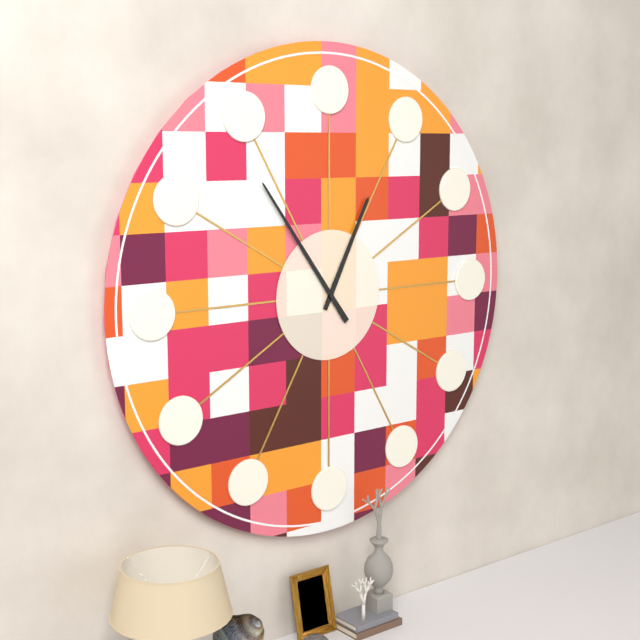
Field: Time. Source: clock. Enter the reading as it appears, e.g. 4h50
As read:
12h54
